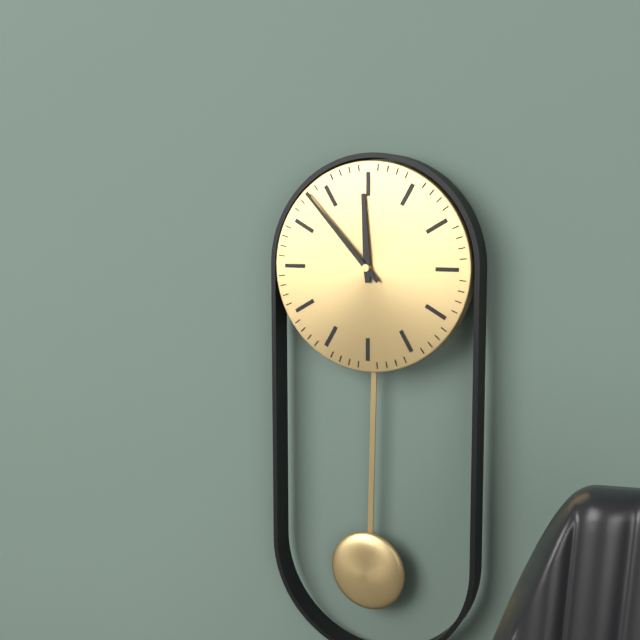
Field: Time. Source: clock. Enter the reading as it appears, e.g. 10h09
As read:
11h53
